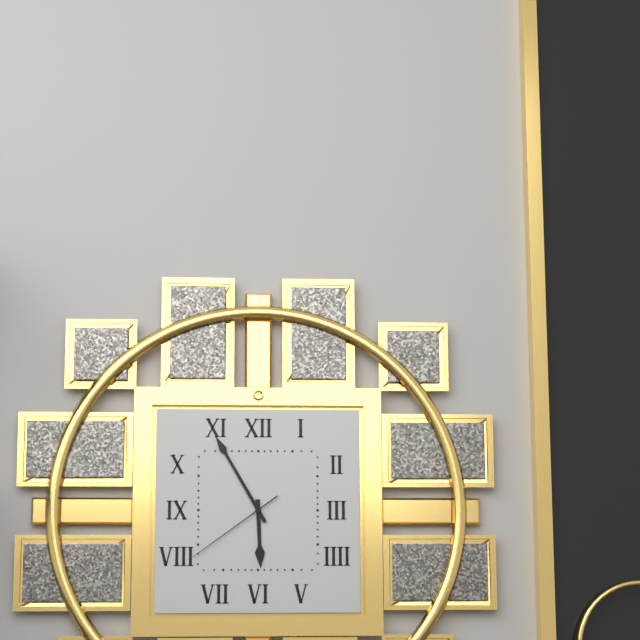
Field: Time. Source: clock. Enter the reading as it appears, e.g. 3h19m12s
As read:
5h55m39s
